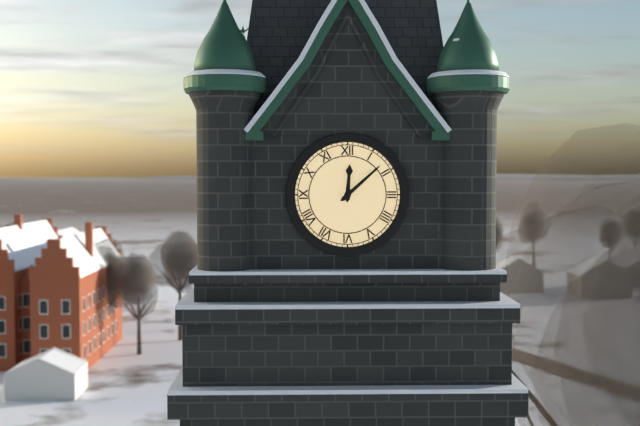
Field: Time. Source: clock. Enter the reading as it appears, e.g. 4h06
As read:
12h08
